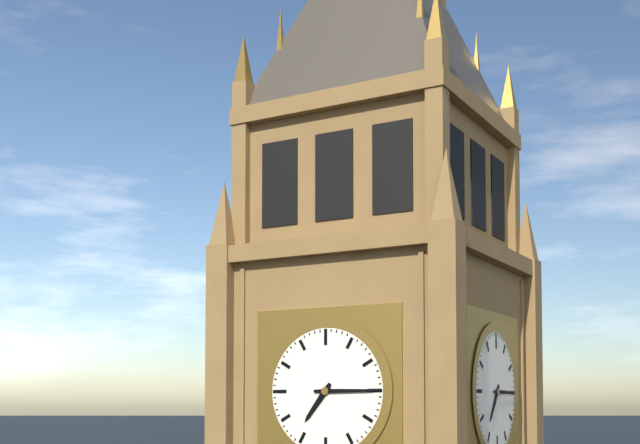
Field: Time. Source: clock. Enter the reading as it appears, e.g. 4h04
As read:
7h15
